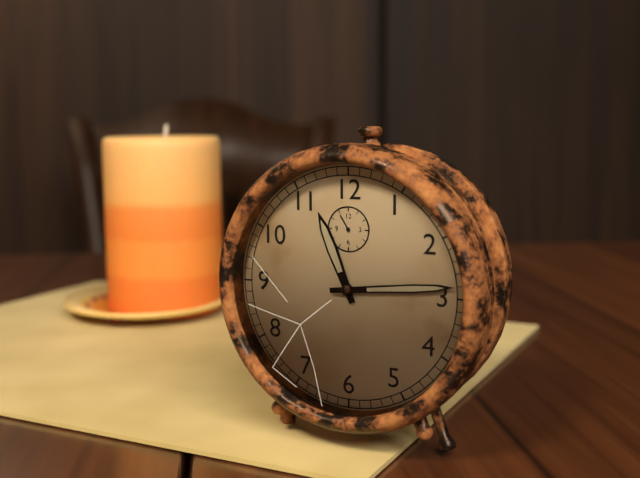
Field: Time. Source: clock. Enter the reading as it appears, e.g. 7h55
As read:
11h14
